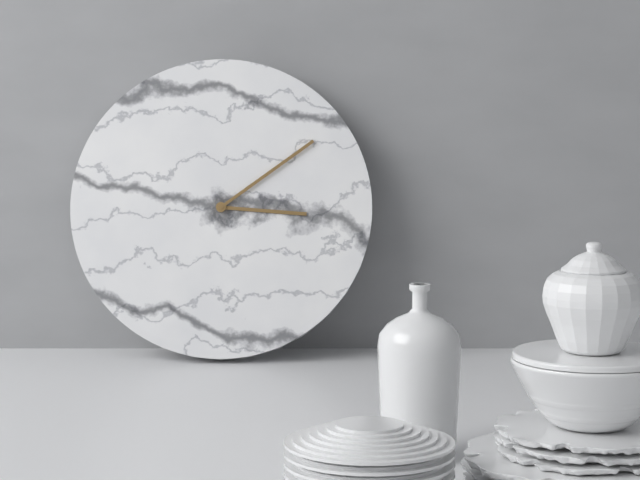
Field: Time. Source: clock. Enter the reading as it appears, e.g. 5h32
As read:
3h09
